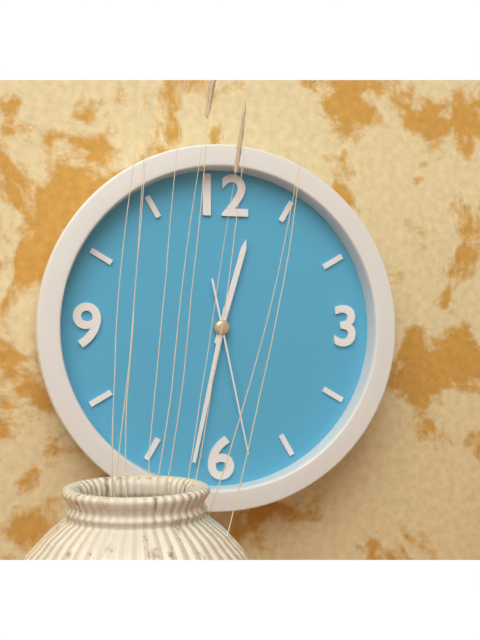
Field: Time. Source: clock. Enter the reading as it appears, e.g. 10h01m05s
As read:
12h32m28s
